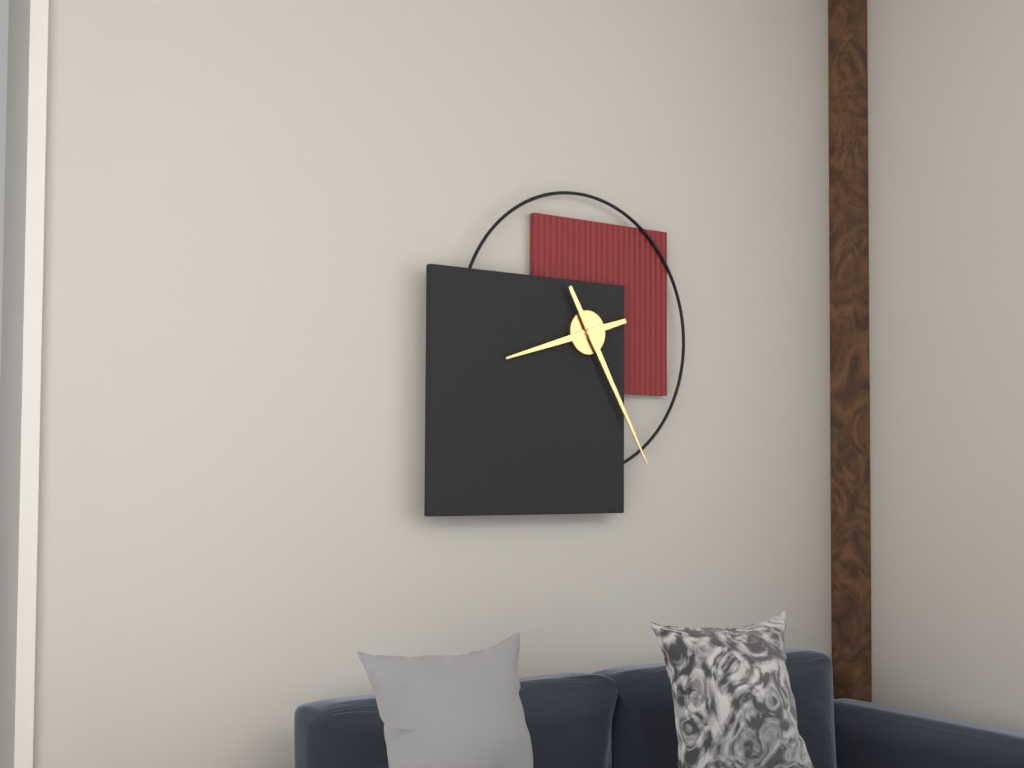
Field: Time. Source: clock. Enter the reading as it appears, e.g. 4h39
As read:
8h25
